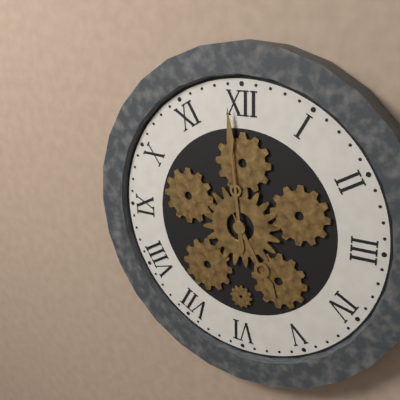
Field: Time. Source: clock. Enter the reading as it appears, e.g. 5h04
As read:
4h59
